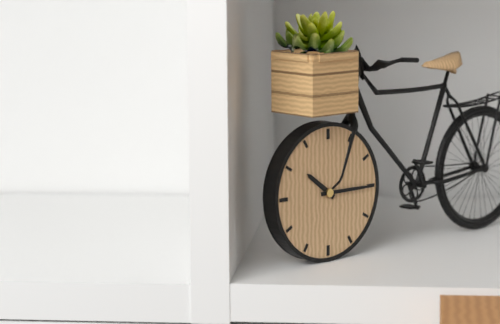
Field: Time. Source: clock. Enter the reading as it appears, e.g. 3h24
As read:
10h15
